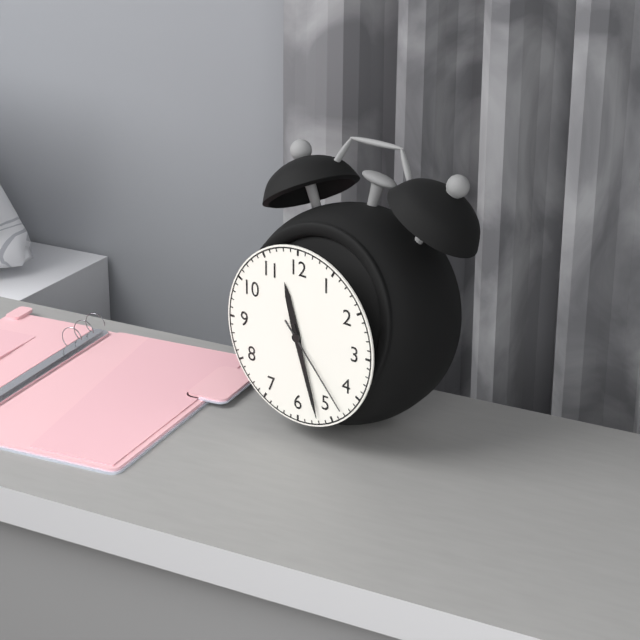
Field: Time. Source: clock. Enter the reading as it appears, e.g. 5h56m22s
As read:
11h27m23s
